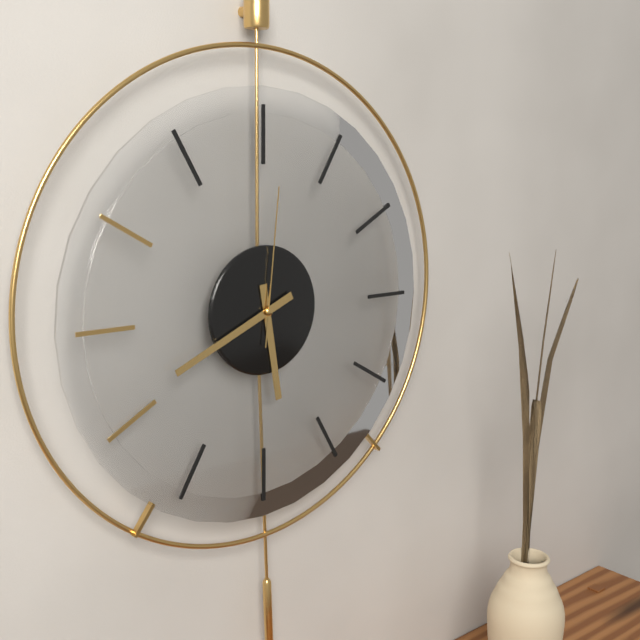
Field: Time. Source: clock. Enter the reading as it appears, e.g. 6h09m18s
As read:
5h41m01s
